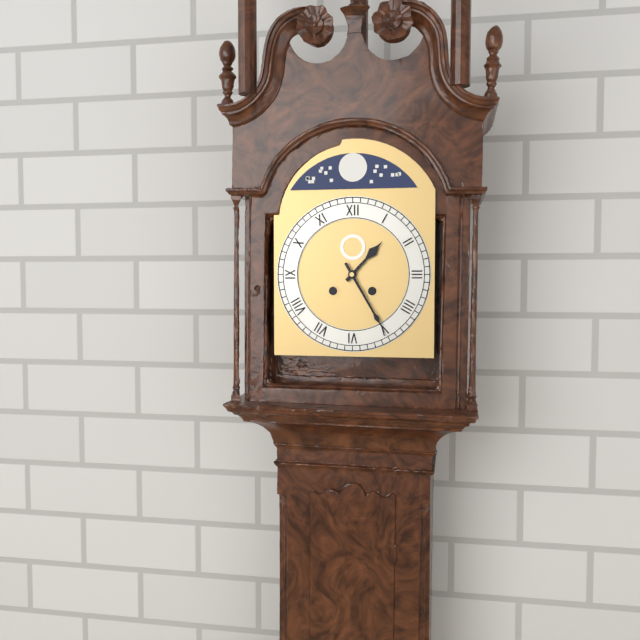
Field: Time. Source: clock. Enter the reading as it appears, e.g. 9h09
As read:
1h25
